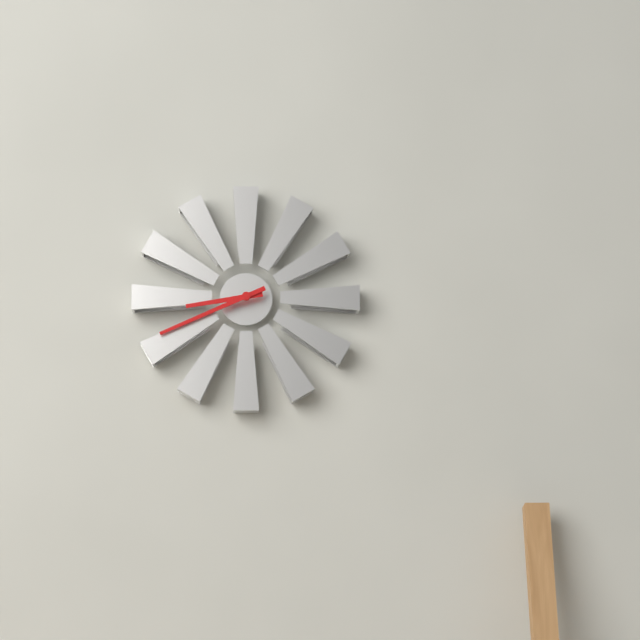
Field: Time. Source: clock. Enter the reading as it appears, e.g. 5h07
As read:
8h41
